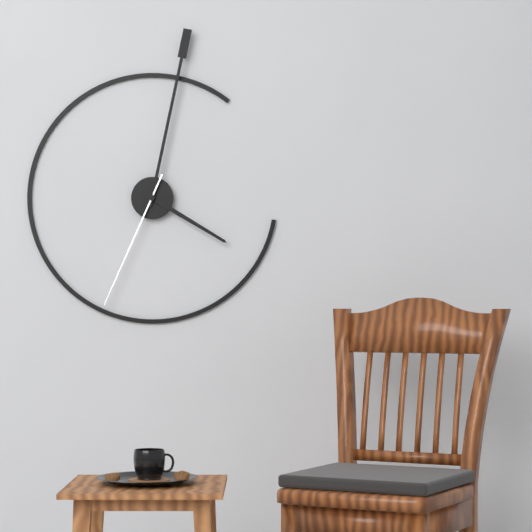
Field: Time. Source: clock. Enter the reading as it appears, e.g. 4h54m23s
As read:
4h02m34s
